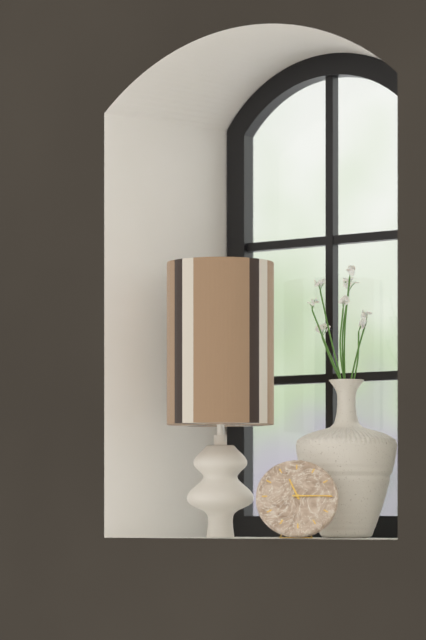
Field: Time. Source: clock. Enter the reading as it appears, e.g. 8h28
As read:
11h15
